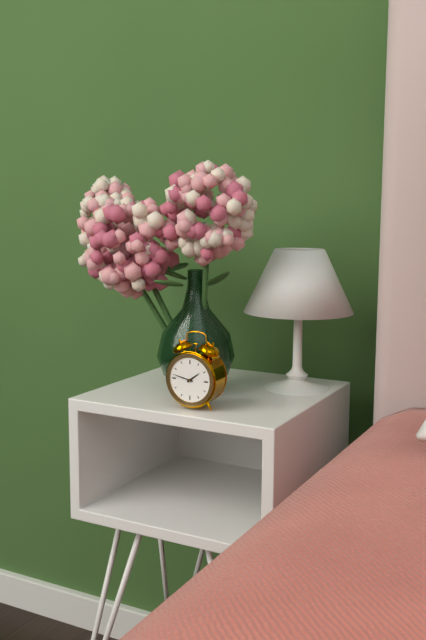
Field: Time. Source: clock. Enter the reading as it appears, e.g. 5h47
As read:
1h47
